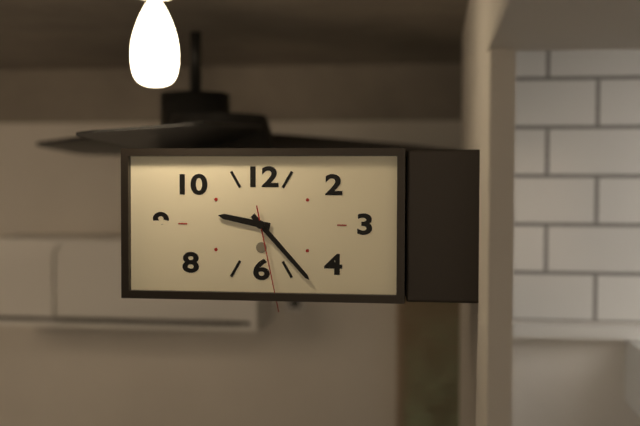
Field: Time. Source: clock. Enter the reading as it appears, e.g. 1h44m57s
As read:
9h23m28s
